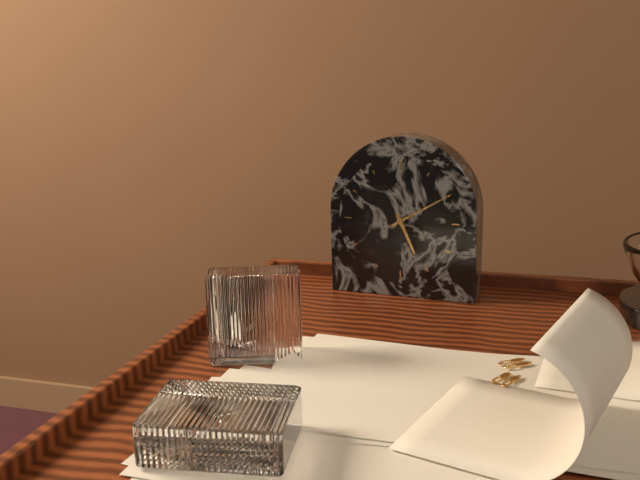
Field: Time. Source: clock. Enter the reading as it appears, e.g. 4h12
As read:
5h10
